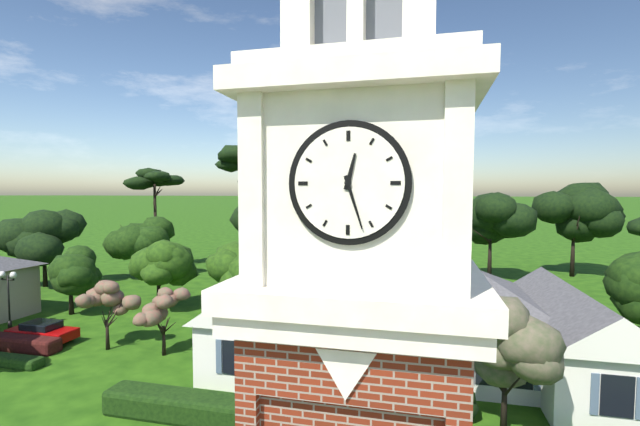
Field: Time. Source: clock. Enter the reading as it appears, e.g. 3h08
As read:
12h27
